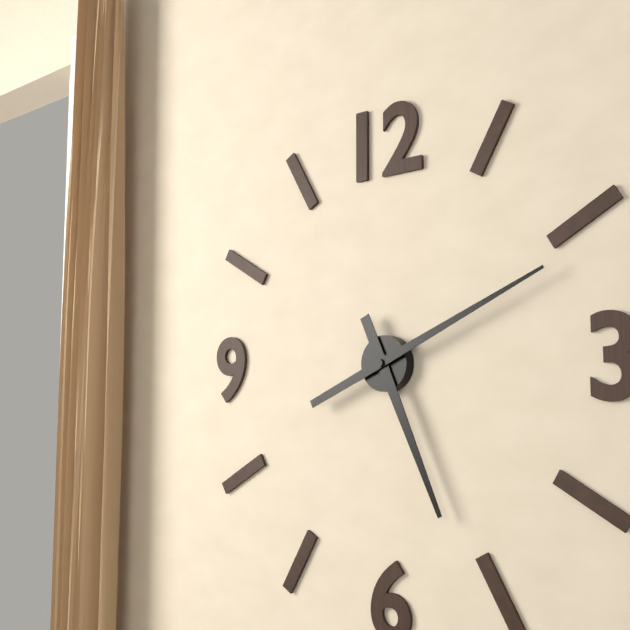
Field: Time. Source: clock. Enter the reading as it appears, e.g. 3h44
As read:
5h11
